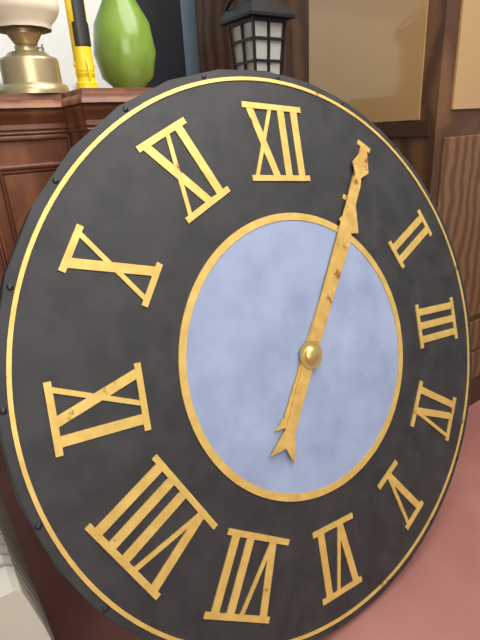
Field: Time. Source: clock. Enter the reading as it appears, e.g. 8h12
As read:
1h05
